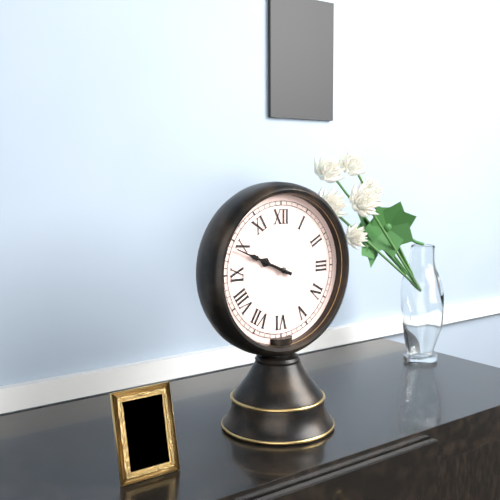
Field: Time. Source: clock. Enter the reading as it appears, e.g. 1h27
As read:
9h49
